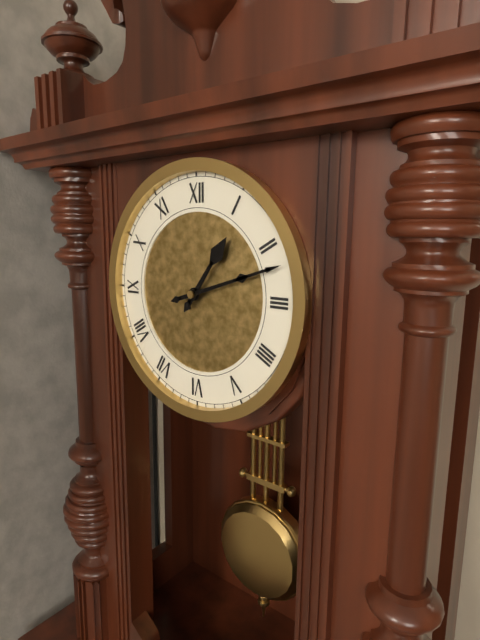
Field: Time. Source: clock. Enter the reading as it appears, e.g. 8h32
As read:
1h12
